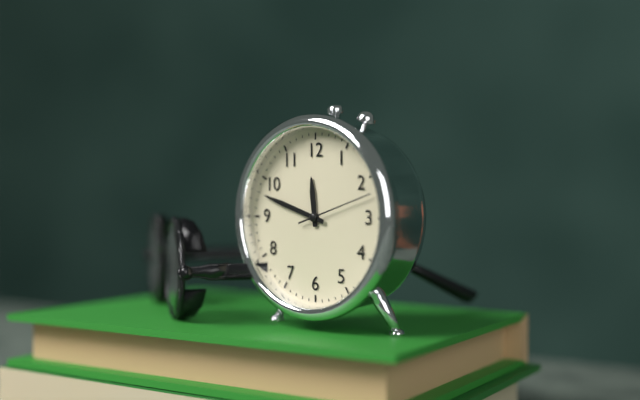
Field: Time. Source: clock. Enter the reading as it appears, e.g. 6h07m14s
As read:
11h48m12s
